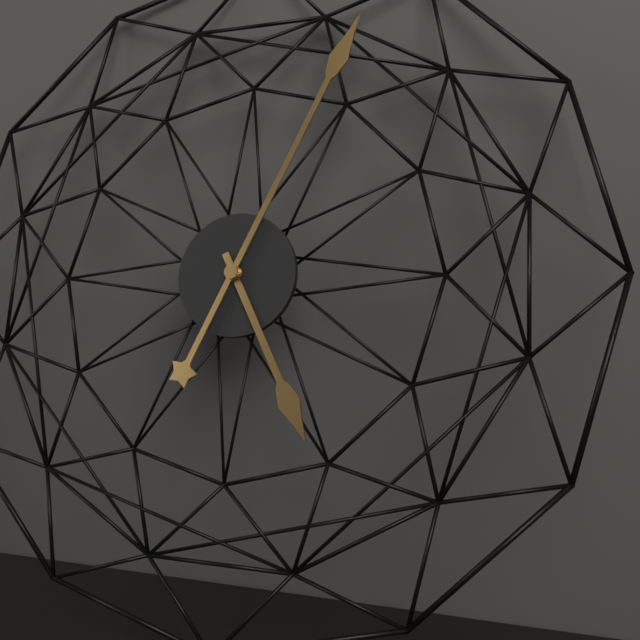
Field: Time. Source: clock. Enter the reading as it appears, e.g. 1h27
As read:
5h04
